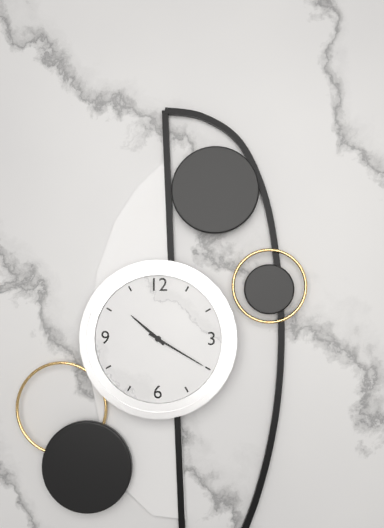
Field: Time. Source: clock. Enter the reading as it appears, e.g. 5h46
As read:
10h20
